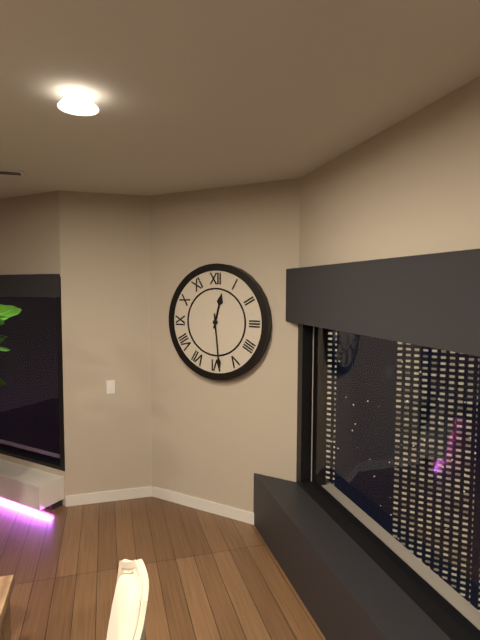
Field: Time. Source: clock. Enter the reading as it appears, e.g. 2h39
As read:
12h29
